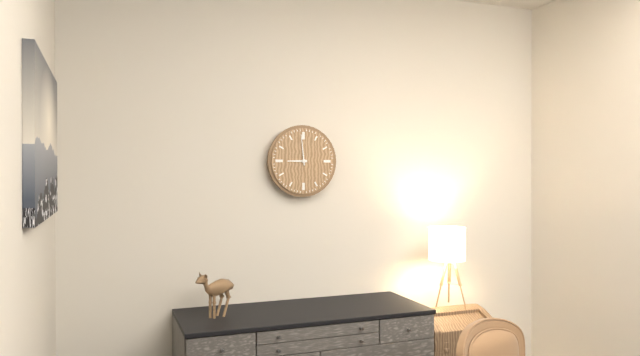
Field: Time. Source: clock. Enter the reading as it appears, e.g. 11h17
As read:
8h59
